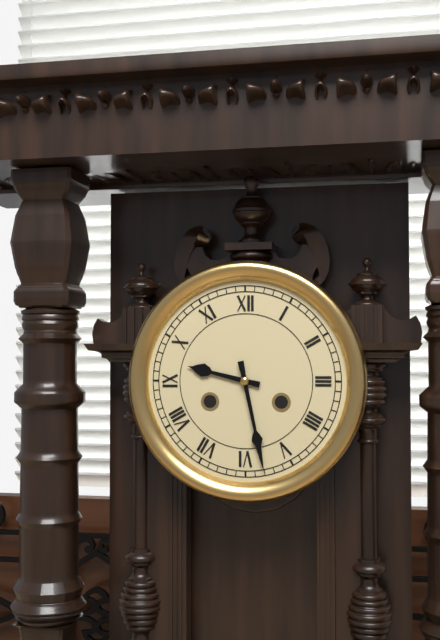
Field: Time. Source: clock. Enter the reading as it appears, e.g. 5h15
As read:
9h28
